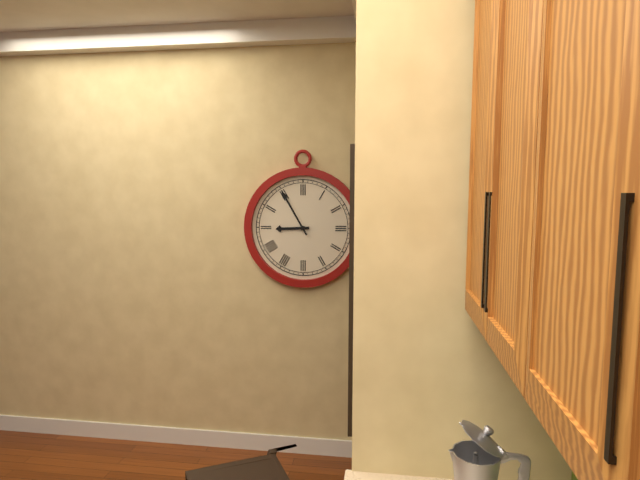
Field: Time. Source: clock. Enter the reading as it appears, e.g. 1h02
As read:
8h55
